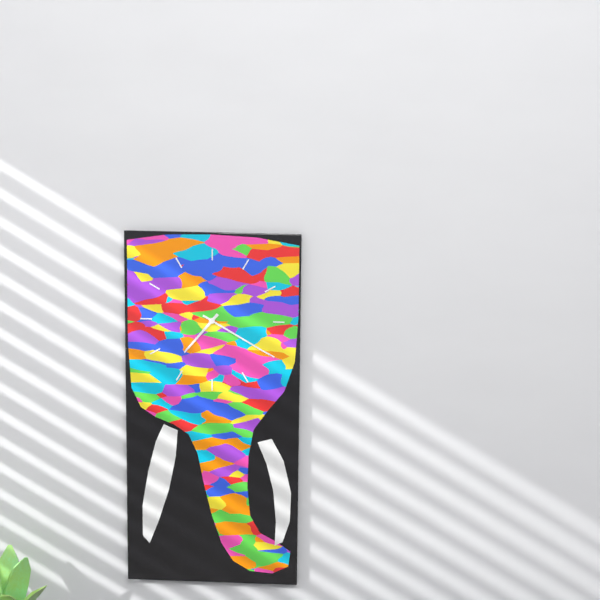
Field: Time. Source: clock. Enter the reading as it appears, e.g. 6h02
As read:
7h20
